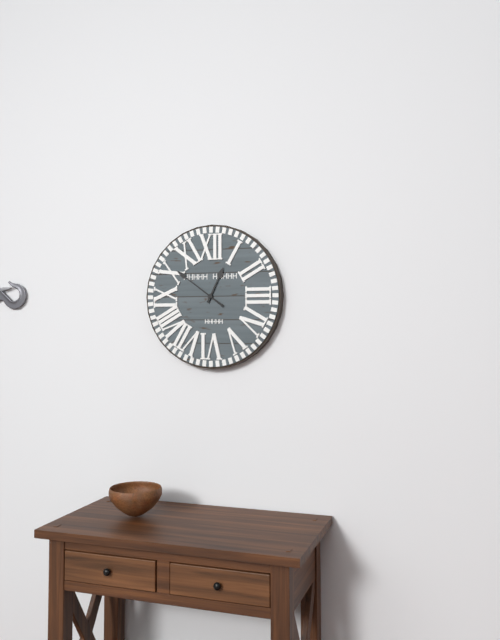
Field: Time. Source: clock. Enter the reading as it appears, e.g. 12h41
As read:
12h51
